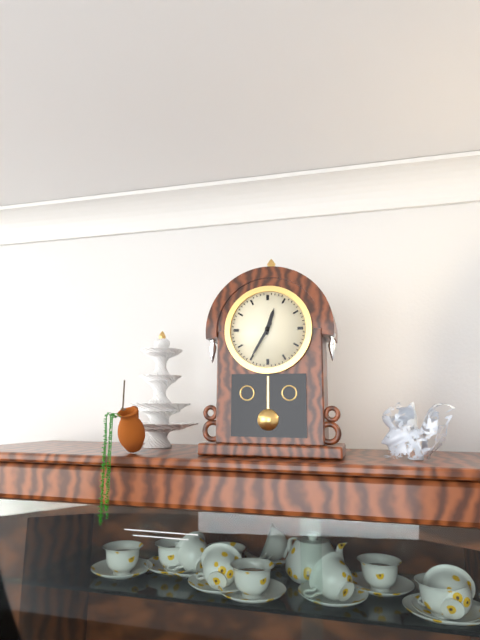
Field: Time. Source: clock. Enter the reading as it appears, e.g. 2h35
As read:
12h35
